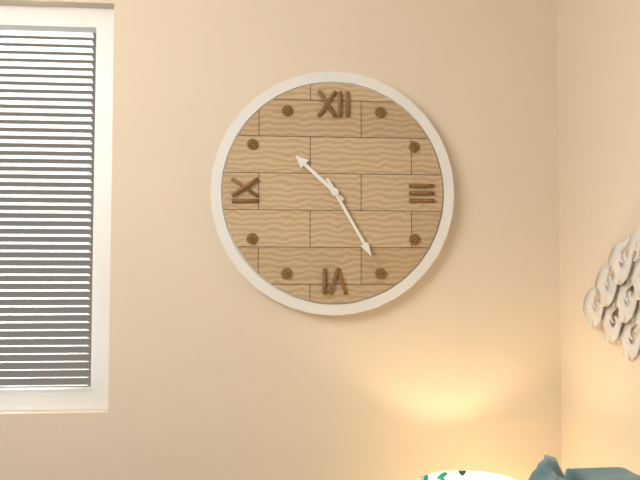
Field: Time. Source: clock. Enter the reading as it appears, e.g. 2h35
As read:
10h25
